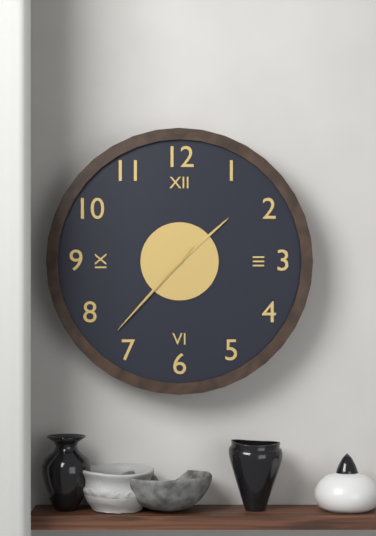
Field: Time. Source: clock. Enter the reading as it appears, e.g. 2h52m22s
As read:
1h37m37s
